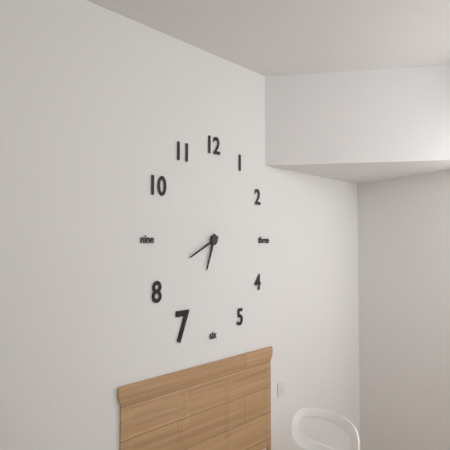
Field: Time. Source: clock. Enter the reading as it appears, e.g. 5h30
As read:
6h41
